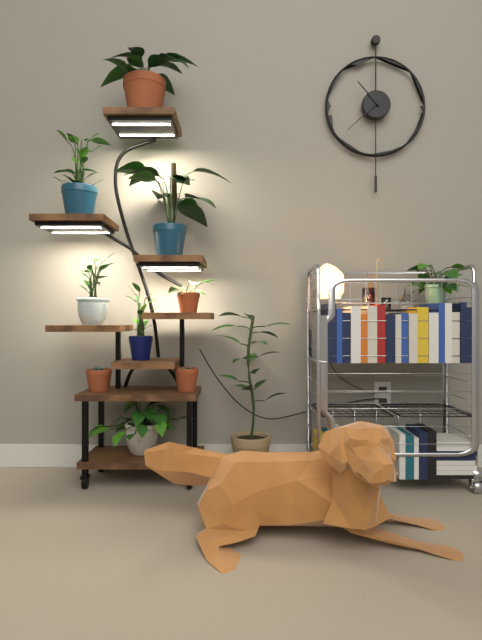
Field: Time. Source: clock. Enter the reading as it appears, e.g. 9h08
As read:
10h38
